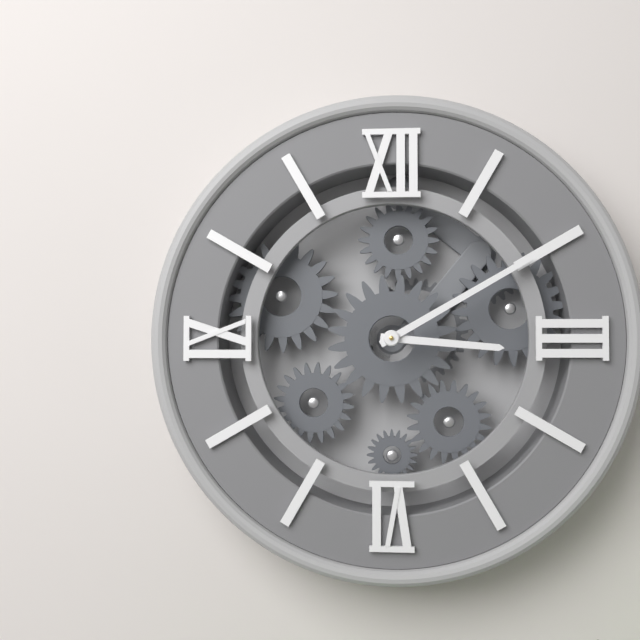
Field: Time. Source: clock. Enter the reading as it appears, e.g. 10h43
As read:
3h10
